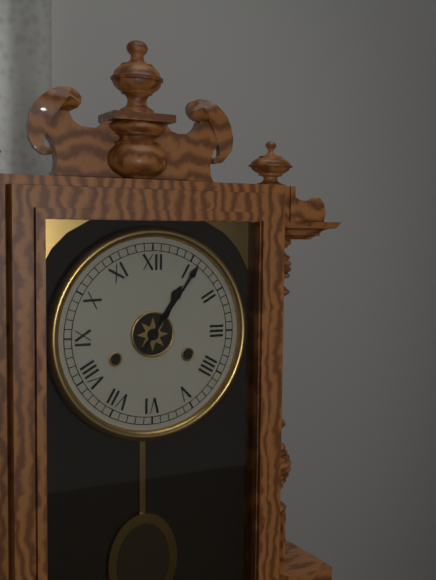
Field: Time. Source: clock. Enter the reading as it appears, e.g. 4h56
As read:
1h06
